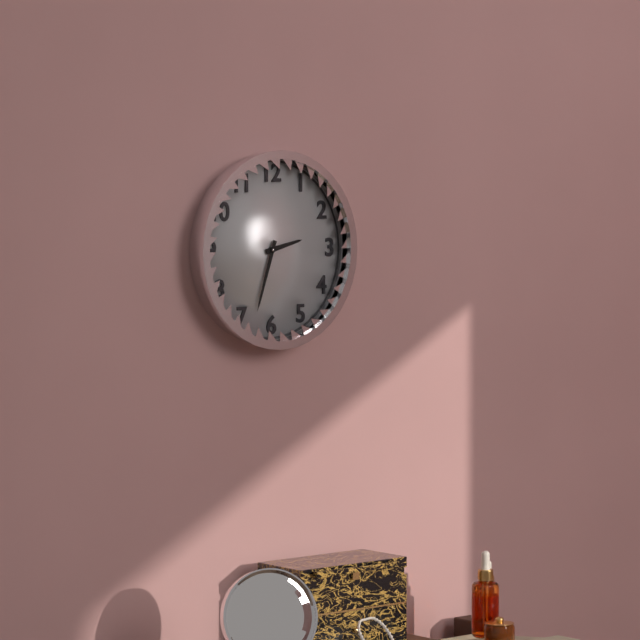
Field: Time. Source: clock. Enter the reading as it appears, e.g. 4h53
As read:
2h33
